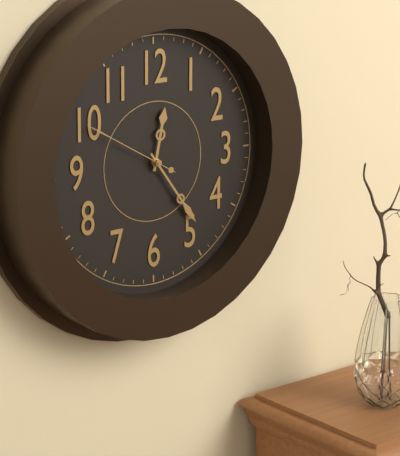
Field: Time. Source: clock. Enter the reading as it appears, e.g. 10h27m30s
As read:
12h24m50s
